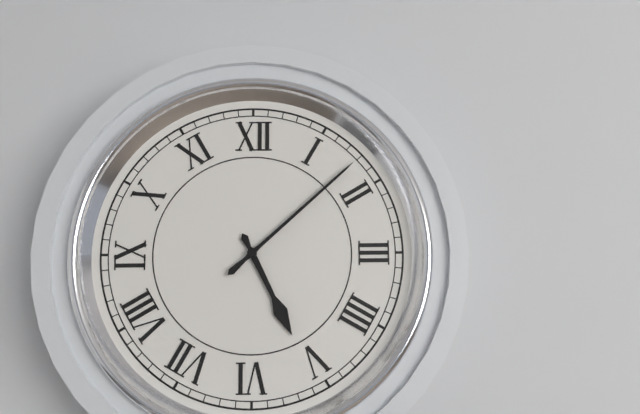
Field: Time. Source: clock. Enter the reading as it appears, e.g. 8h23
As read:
5h08
